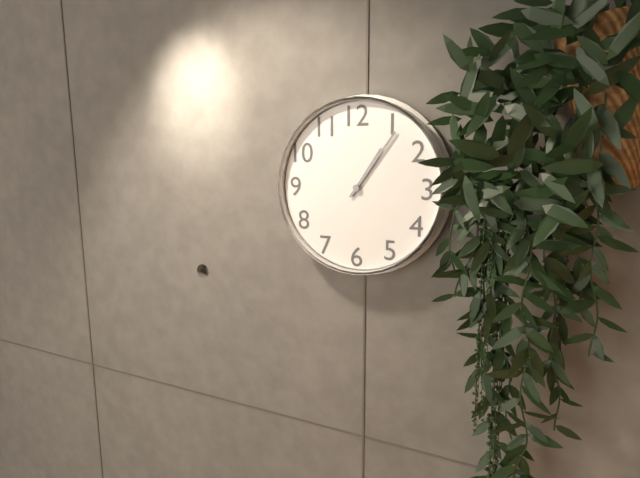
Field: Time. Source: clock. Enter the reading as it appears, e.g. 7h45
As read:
1h06
